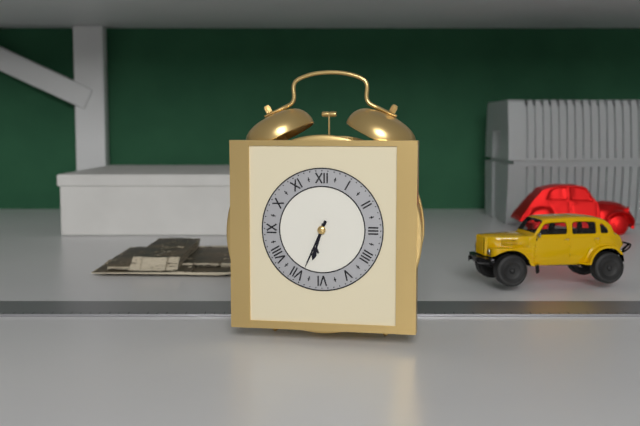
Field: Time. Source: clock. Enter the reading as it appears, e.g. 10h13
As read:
6h34
